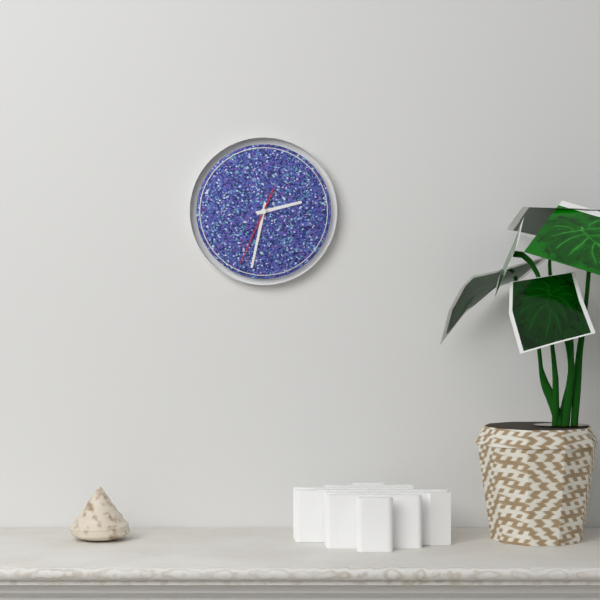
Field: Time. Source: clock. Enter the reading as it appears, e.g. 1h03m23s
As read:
2h32m34s
